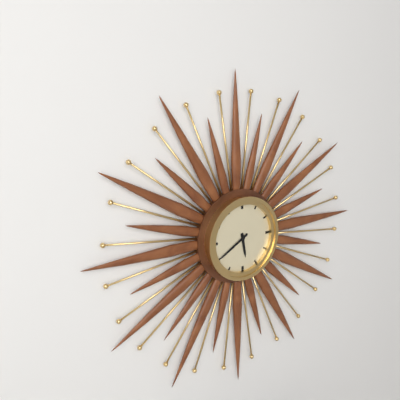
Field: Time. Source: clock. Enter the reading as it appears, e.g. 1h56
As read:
5h40
